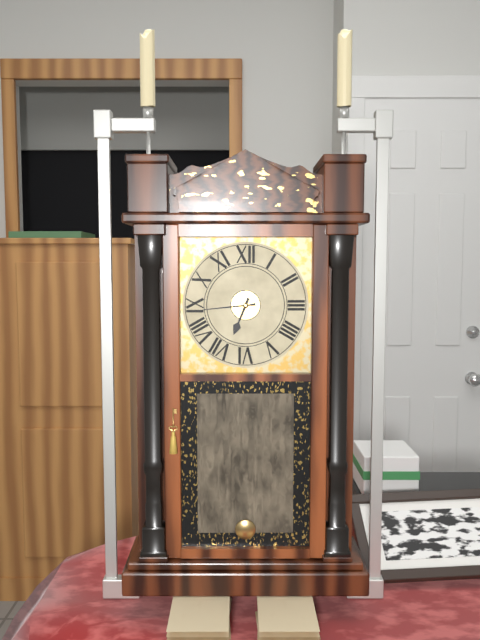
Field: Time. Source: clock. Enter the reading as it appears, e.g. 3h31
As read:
6h44
